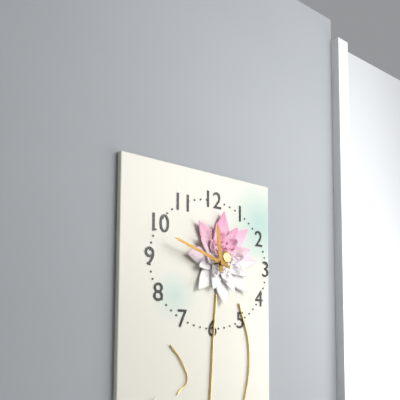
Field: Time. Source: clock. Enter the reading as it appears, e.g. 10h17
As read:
11h48
